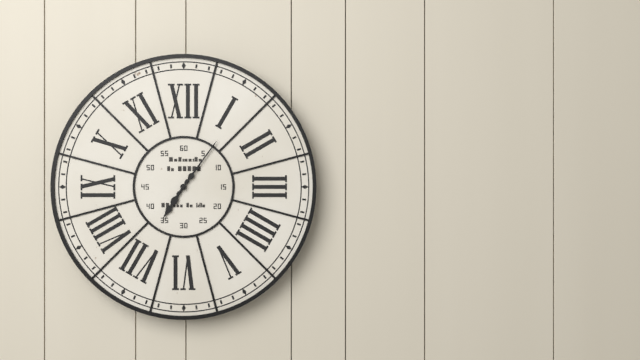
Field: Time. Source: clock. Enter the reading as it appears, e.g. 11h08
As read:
7h06
